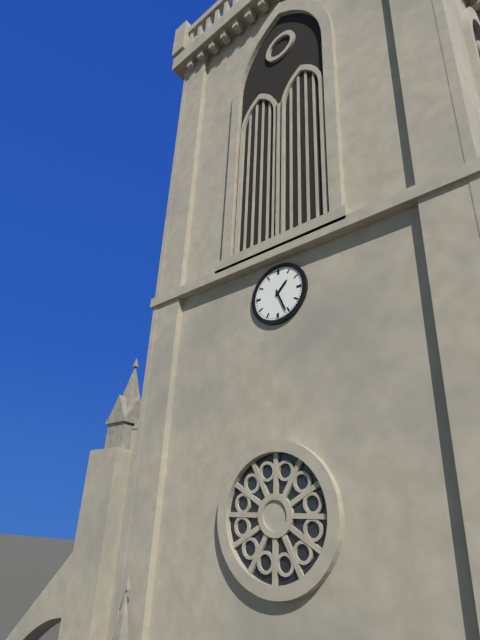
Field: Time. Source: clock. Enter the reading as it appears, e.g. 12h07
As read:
1h26
